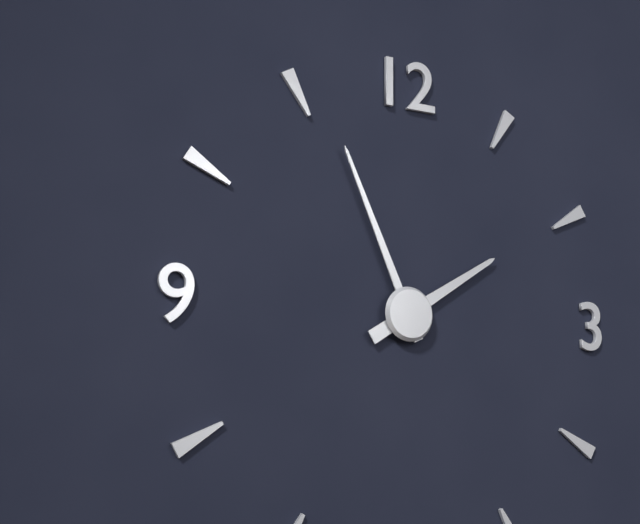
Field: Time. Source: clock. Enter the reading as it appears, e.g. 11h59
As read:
1h56
